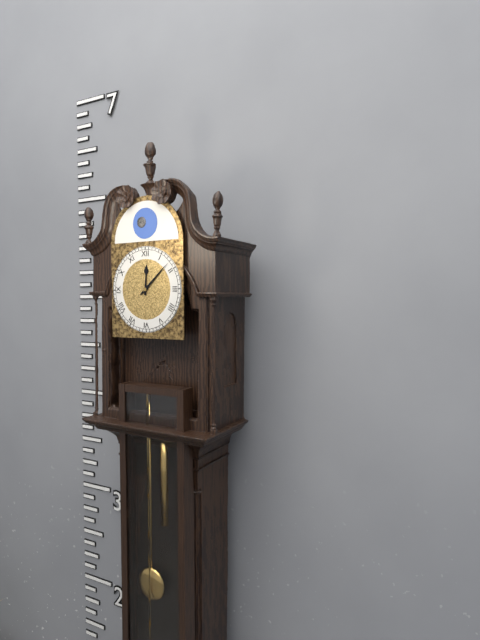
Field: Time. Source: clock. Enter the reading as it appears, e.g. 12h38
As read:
12h08
